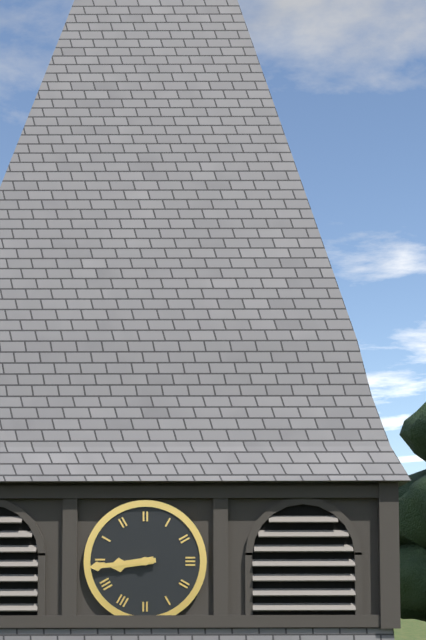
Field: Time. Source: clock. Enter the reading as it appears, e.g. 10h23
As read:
8h44
